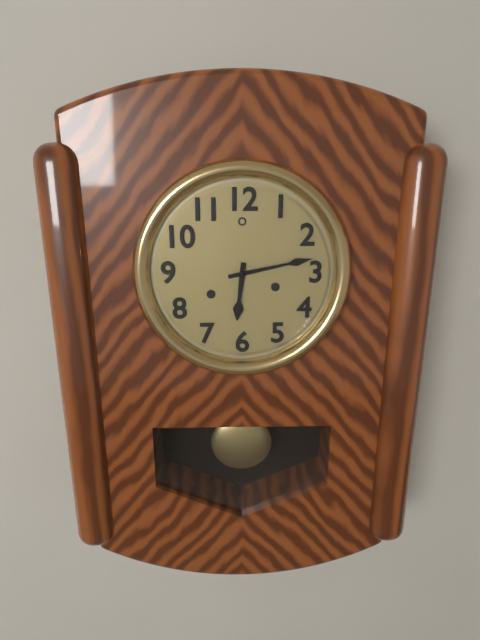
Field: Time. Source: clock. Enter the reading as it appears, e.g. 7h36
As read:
6h13
